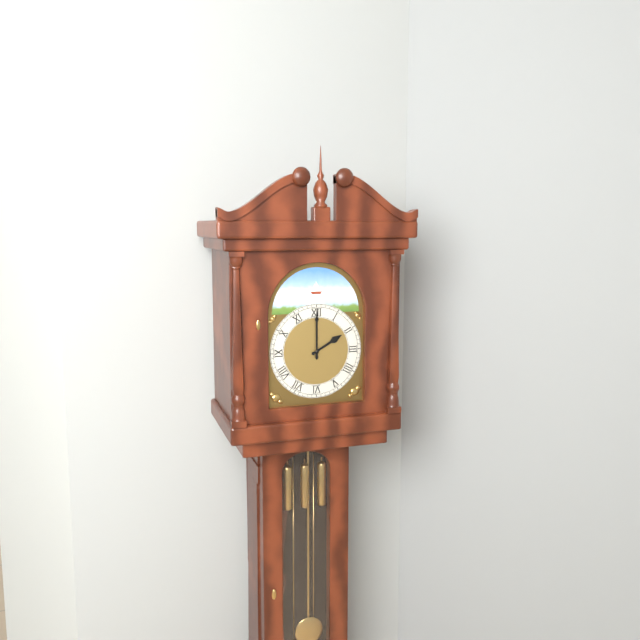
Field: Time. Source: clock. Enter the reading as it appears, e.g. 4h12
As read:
2h00
